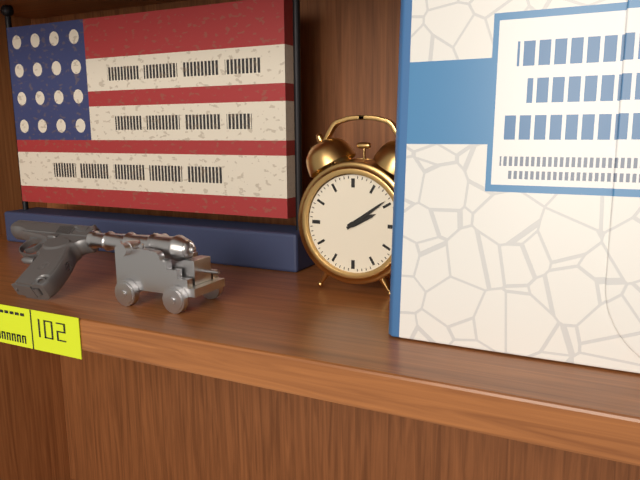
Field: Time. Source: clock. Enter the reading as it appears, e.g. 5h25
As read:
2h09
